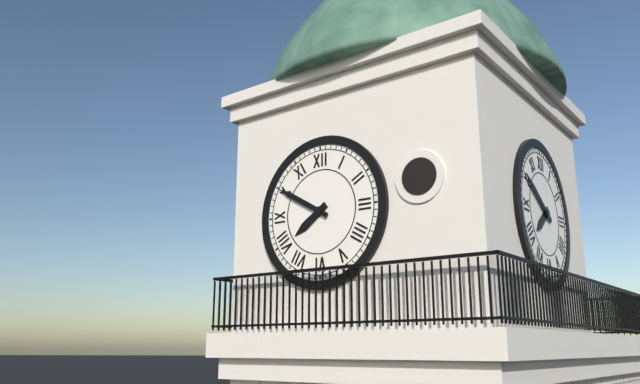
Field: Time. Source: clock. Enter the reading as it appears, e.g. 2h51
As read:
7h50
